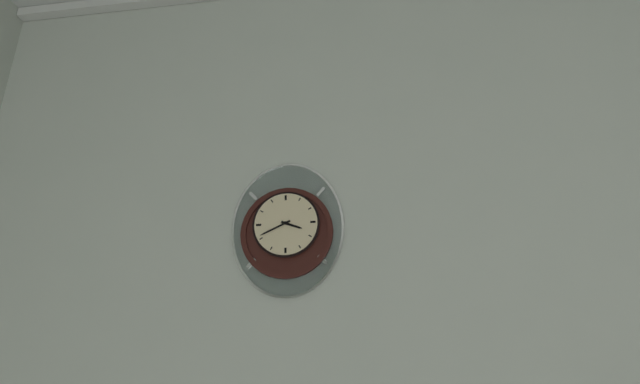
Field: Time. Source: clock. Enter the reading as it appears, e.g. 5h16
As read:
3h41
